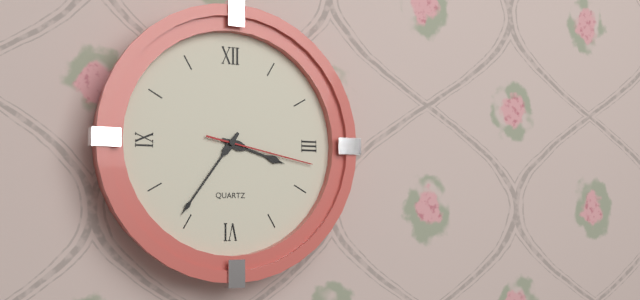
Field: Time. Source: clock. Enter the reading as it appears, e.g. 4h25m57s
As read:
3h36m17s
